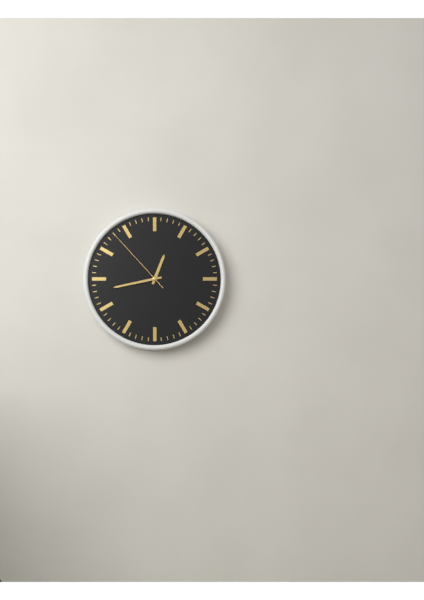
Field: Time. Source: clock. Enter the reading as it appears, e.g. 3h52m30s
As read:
12h43m53s
